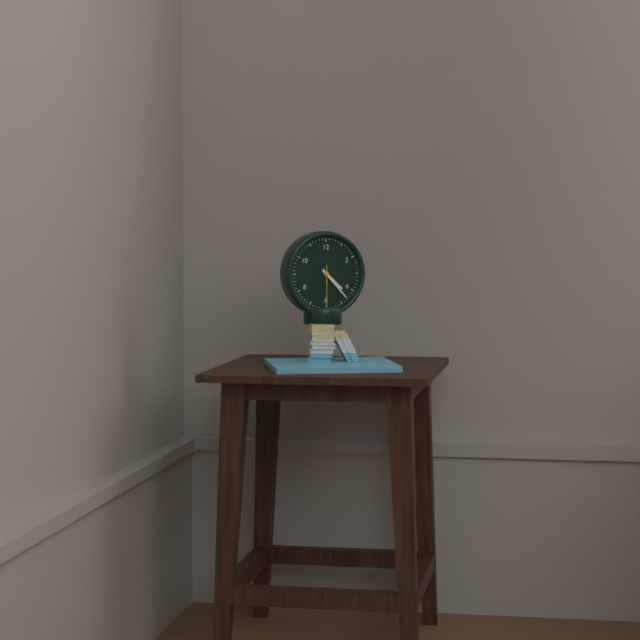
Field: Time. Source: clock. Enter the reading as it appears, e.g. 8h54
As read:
4h23
